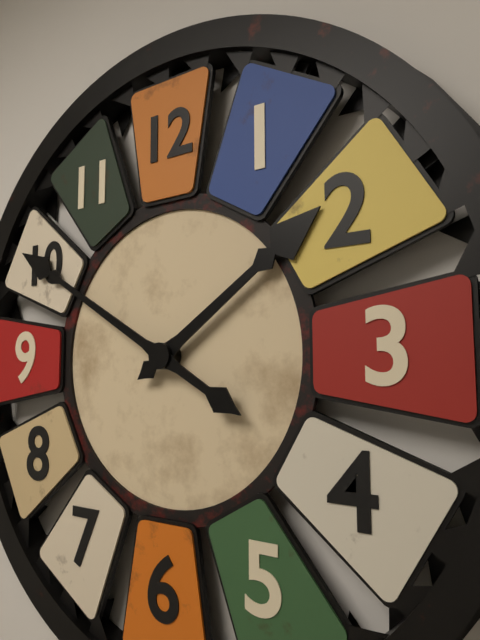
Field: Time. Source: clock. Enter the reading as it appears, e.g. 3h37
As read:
1h50
